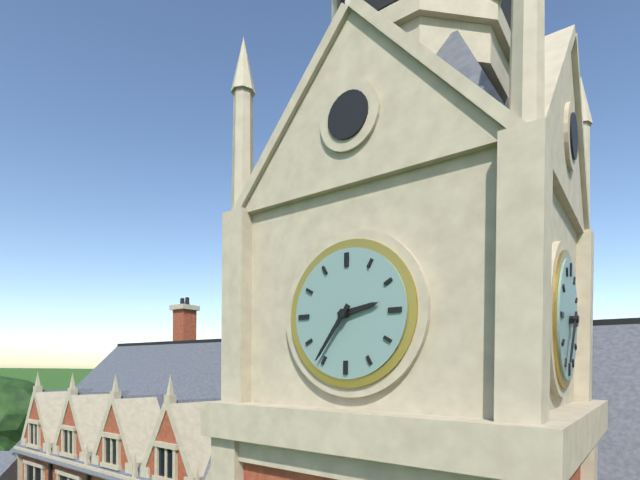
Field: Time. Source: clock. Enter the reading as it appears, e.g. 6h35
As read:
2h36
